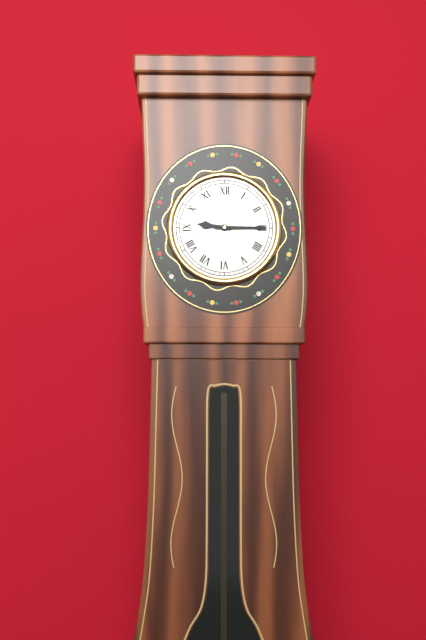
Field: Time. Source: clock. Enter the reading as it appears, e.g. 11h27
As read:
9h15
